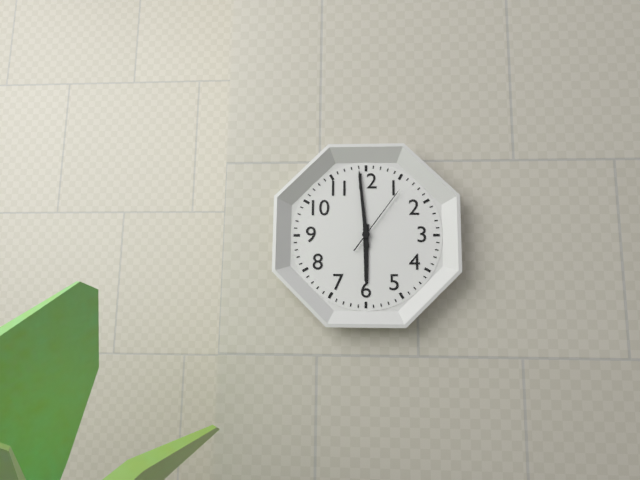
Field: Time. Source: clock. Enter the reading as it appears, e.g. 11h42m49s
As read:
5h59m06s
